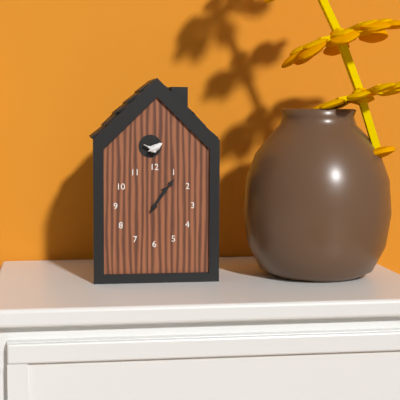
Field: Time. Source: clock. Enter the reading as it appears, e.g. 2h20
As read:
1h06
